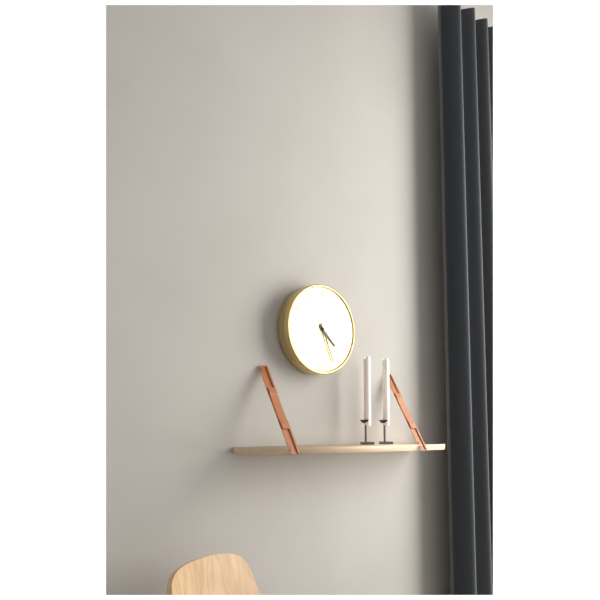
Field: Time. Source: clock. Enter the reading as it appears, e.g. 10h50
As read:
4h26
